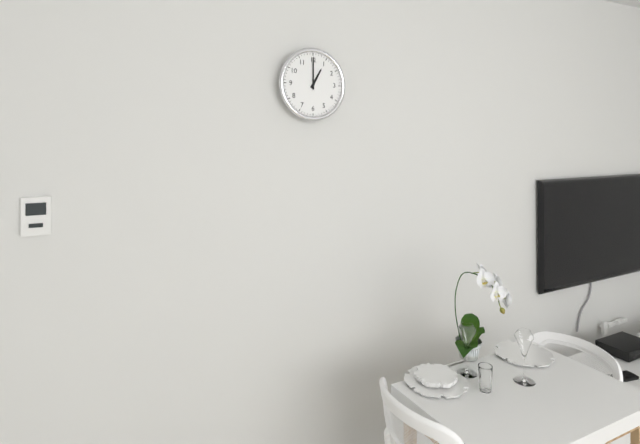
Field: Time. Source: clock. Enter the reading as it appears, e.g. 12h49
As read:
1h00
